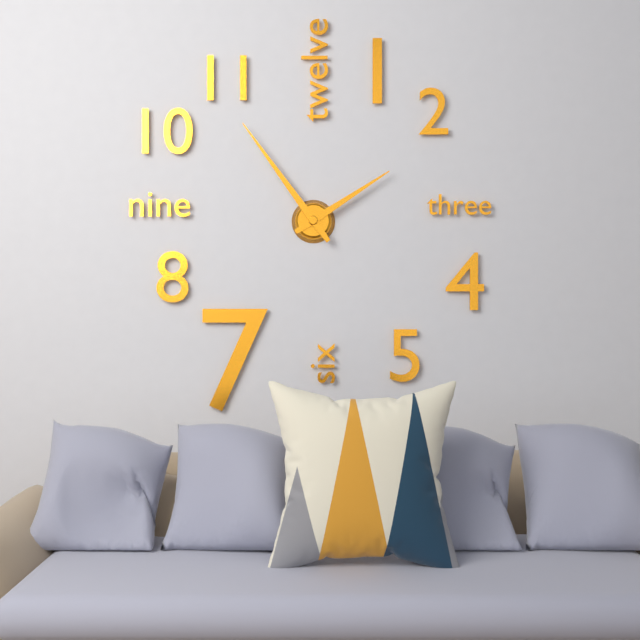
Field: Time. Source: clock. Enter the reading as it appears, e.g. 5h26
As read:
1h54
